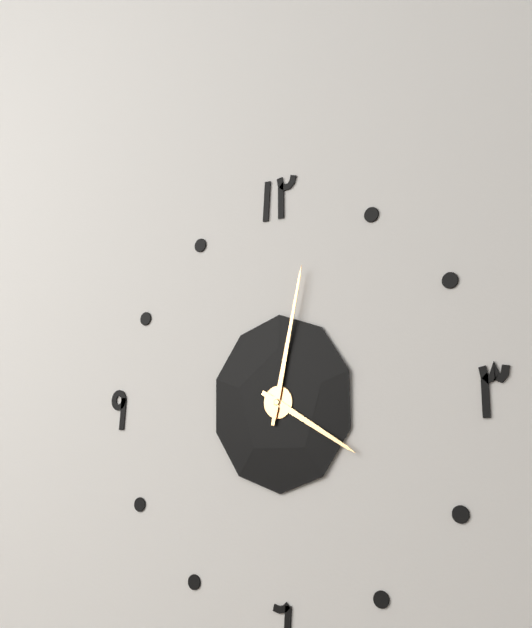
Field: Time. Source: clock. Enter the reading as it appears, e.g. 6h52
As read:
4h02
